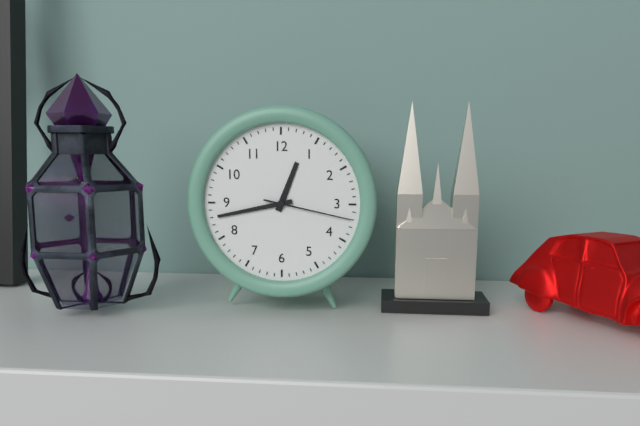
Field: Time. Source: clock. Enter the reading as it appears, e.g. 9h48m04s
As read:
12h43m17s
